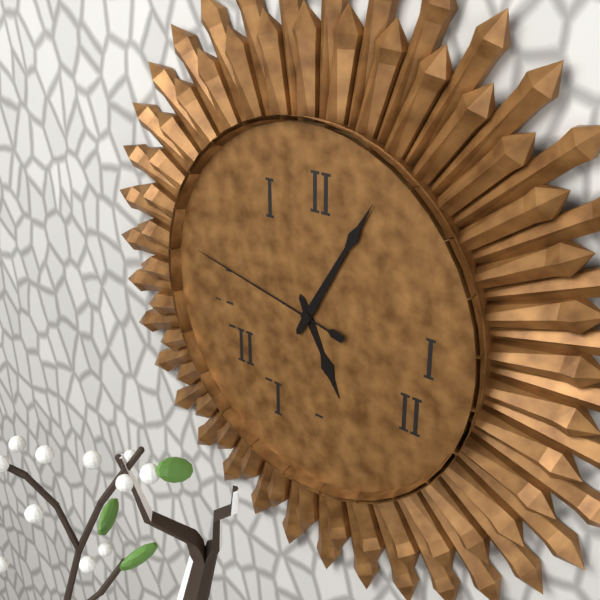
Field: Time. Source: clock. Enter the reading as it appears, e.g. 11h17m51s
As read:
5h05m47s
